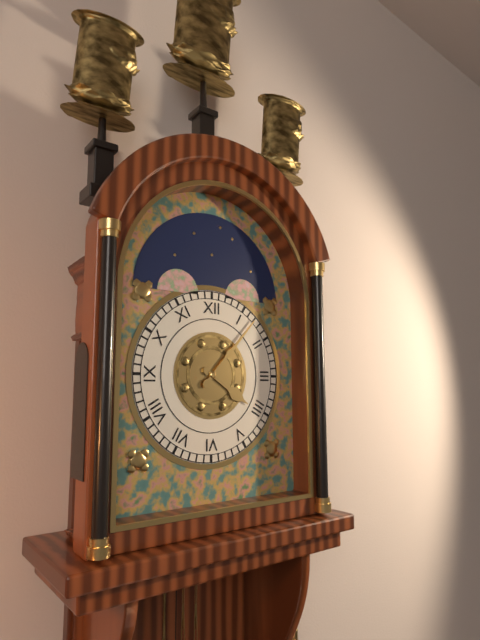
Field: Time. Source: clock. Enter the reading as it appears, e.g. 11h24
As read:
4h07
